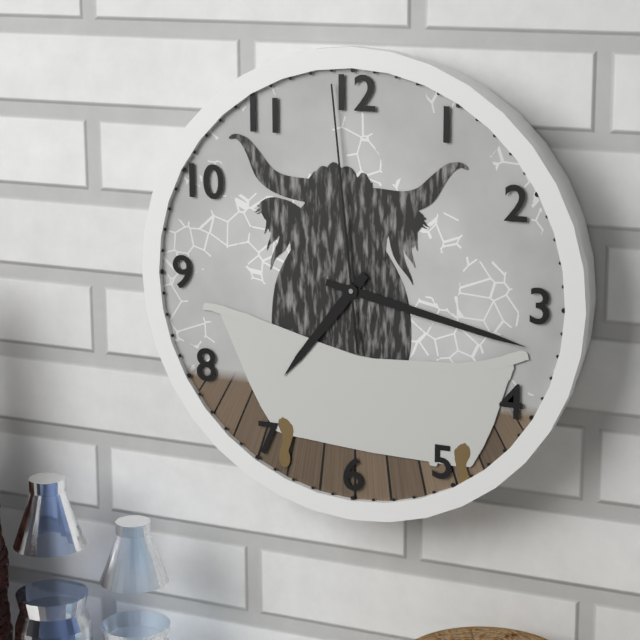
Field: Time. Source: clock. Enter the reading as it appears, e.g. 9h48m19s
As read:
7h17m59s
